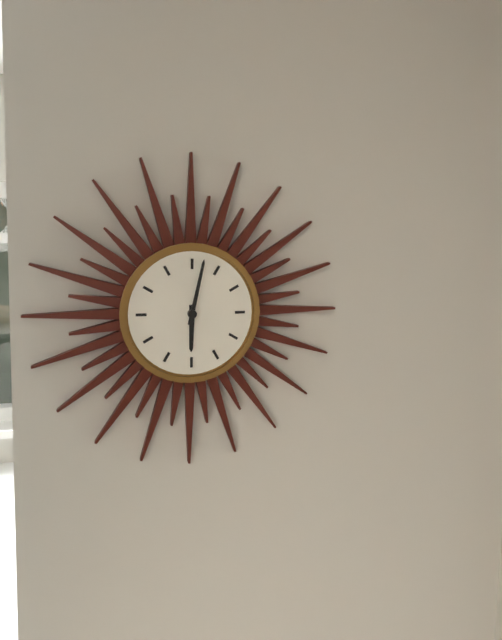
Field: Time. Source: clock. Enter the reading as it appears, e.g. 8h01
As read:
6h02
